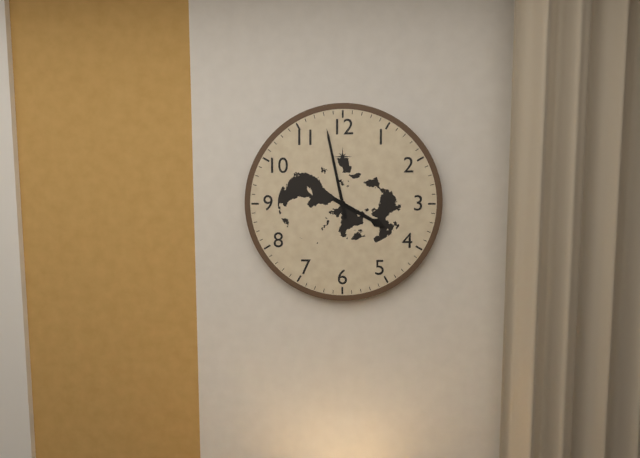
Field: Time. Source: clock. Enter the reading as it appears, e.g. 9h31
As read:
3h58
